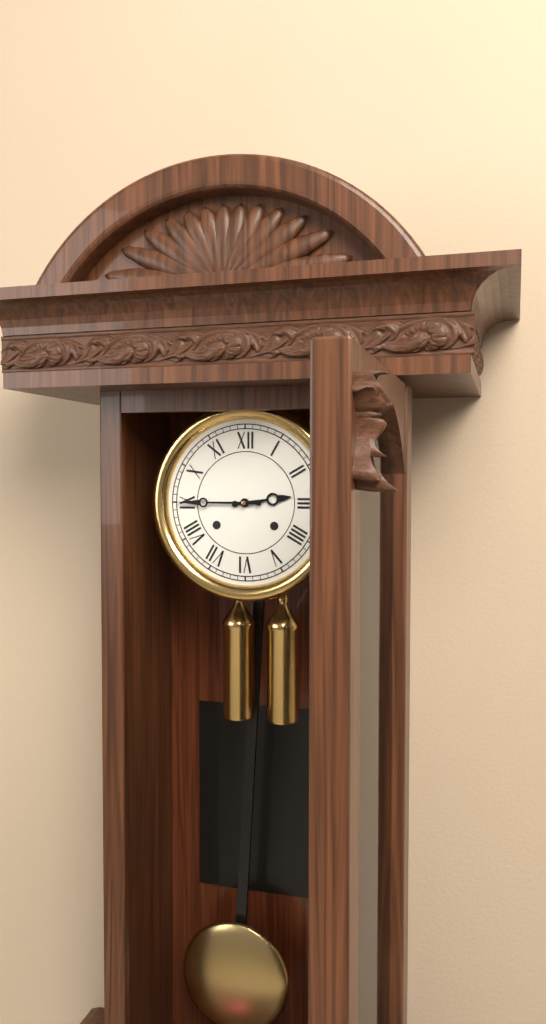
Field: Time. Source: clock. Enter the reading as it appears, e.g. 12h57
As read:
2h45
